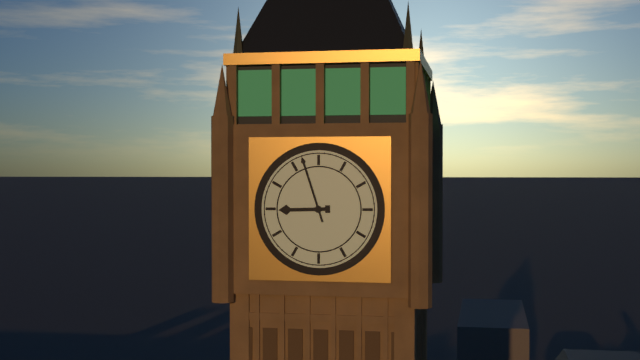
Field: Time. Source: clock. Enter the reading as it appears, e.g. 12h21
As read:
8h57
